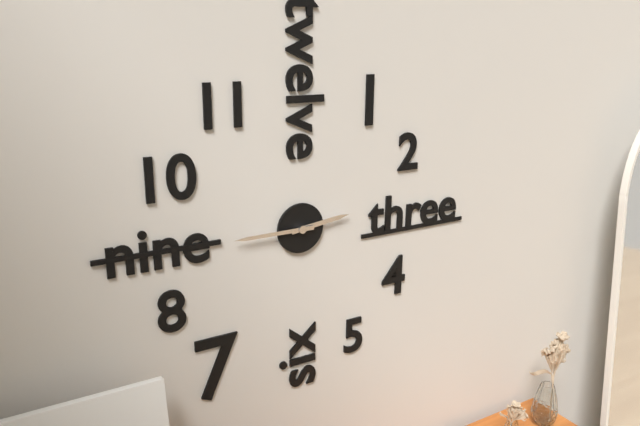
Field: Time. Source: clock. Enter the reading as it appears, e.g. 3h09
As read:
2h45
